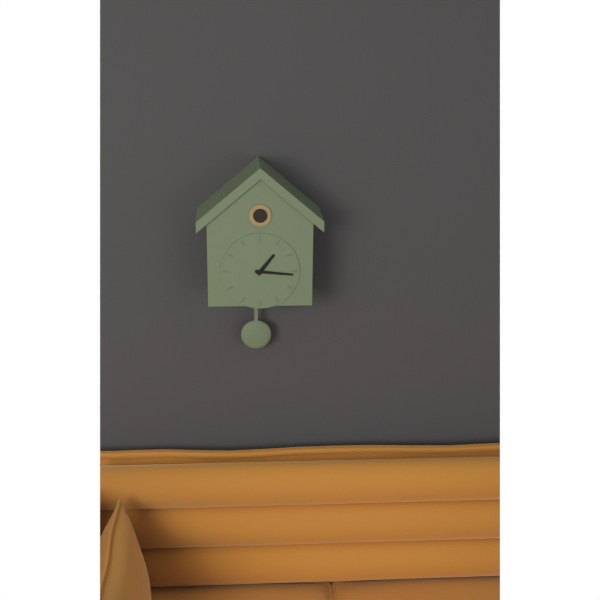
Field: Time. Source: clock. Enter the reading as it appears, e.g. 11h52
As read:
1h16
